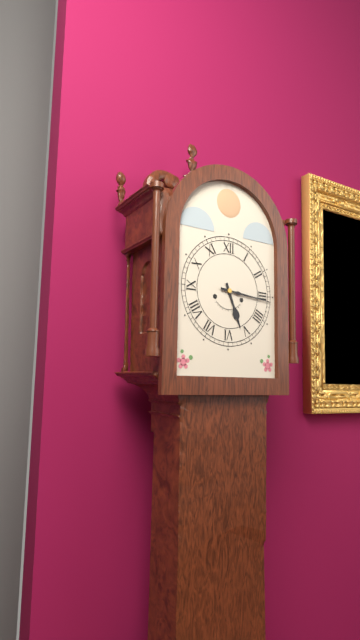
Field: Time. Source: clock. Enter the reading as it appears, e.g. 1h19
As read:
5h16
